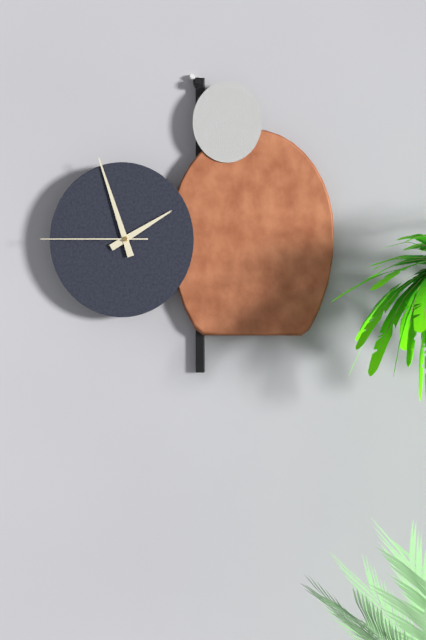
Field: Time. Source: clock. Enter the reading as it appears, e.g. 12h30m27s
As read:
1h57m45s
